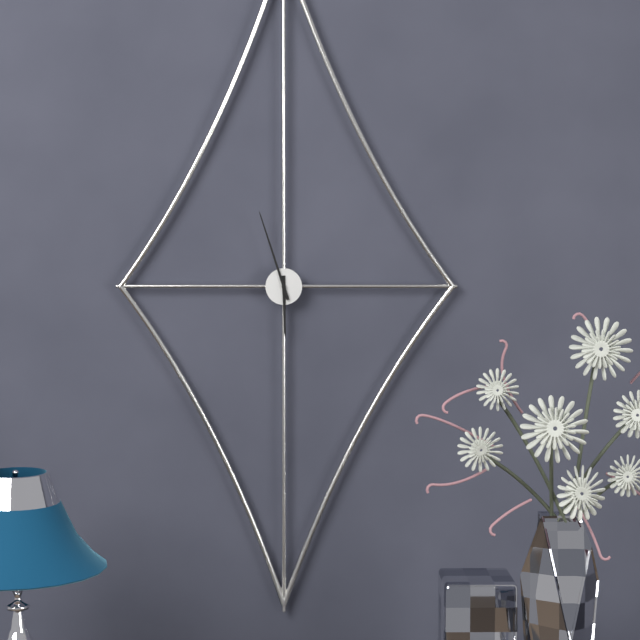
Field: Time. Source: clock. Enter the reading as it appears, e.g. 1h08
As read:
5h57
